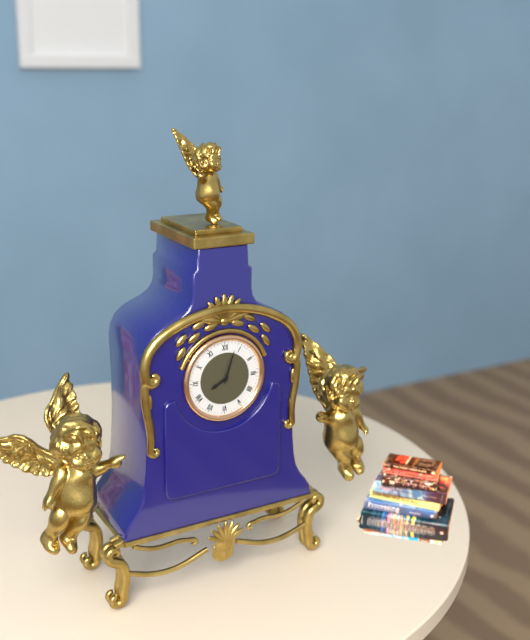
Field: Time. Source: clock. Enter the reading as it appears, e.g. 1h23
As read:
8h03
